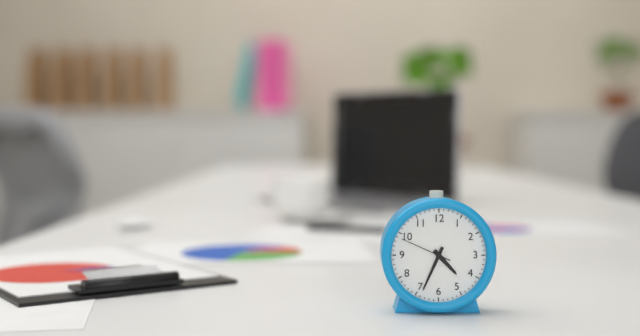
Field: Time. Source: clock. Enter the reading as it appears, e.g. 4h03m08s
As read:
4h34m49s
